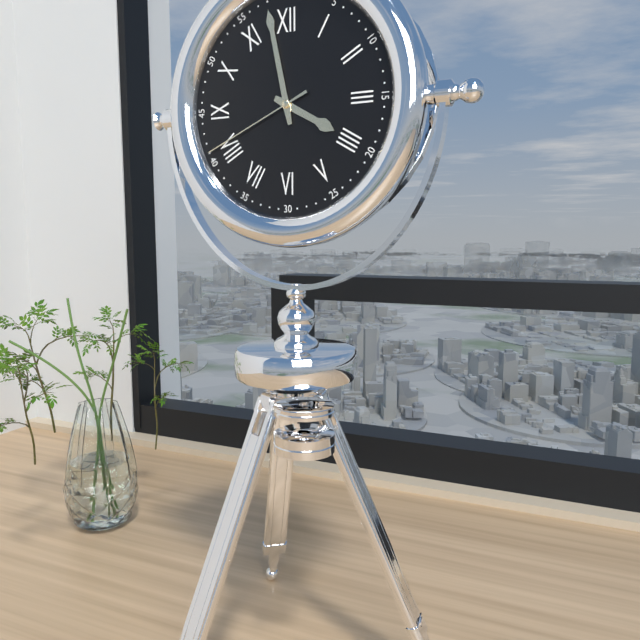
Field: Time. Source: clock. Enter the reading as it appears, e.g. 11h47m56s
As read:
3h58m41s
